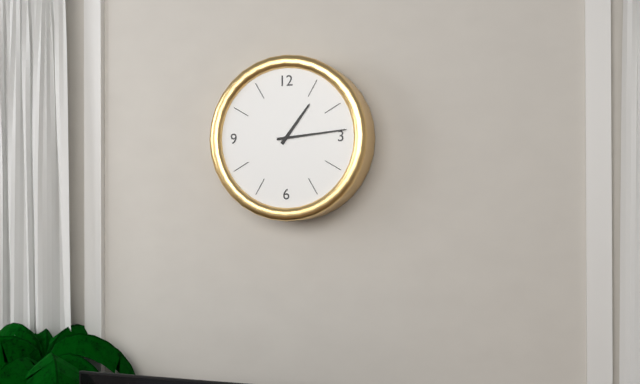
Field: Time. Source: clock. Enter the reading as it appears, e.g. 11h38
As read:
1h14
